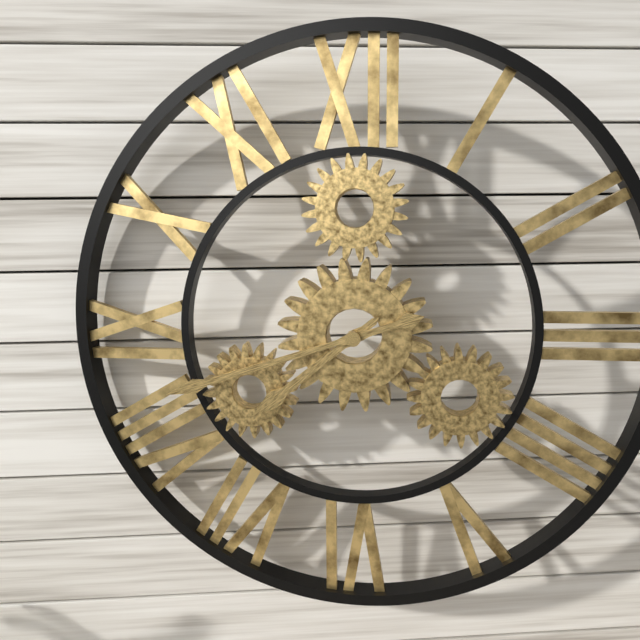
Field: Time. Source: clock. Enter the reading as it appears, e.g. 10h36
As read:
7h42
